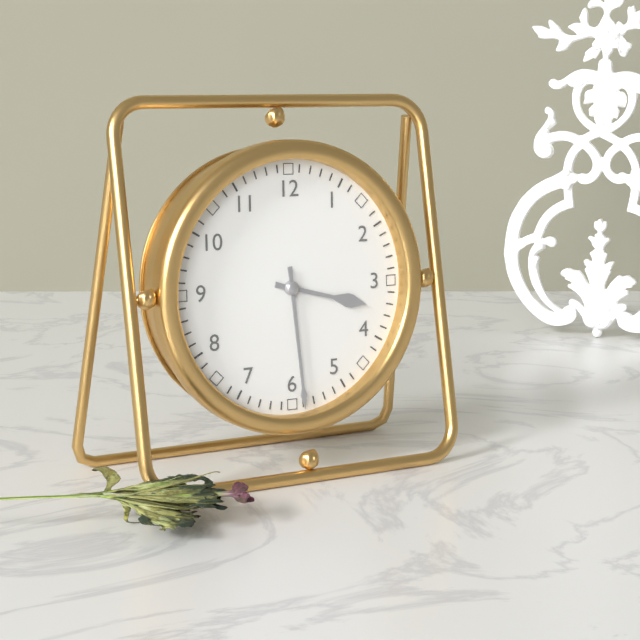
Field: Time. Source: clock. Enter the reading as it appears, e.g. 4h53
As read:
3h29
